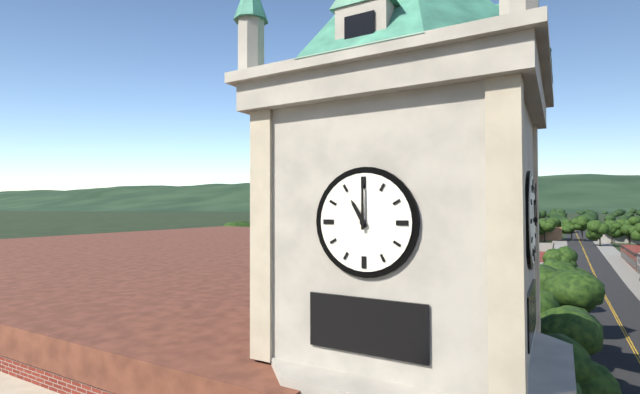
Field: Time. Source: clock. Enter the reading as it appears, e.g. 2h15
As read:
11h00
